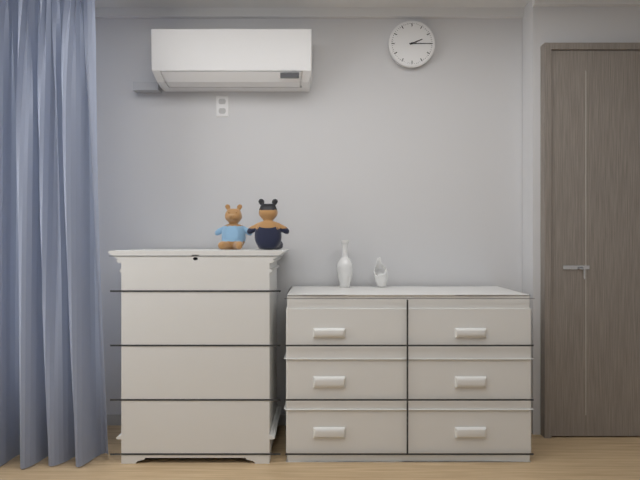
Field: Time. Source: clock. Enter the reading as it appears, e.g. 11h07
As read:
2h15
